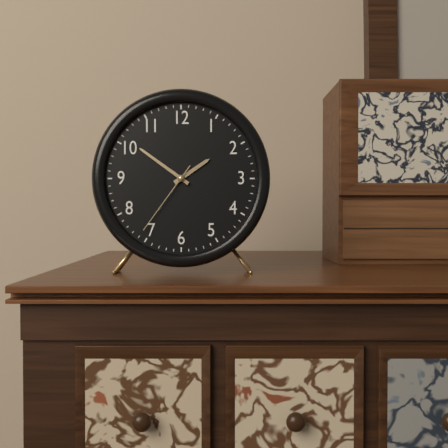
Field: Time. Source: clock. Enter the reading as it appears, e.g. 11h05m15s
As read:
1h51m36s
